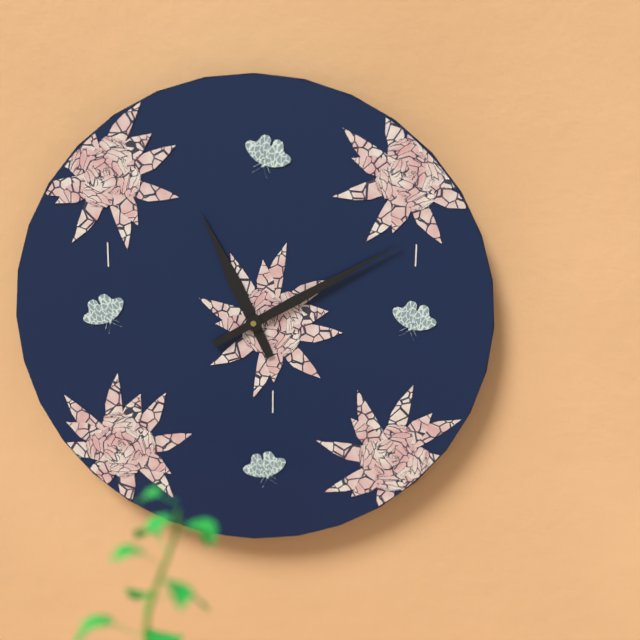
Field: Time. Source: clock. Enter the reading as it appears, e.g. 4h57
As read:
11h10
